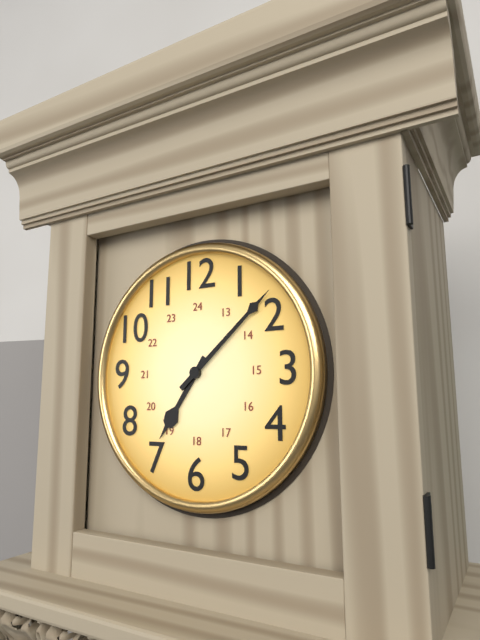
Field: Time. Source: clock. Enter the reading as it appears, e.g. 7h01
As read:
7h08
